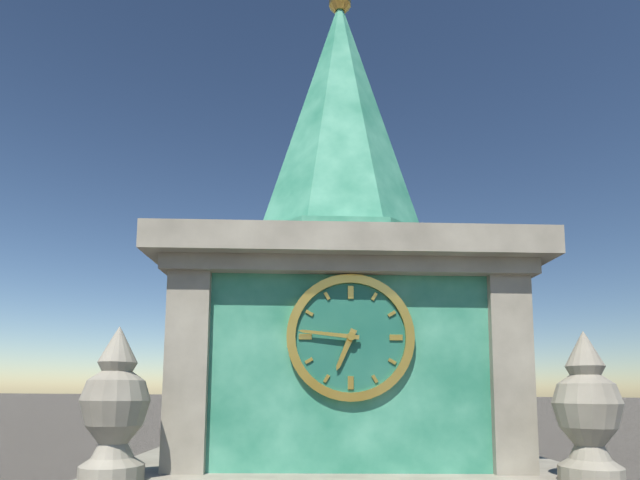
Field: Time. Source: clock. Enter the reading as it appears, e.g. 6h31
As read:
6h46
